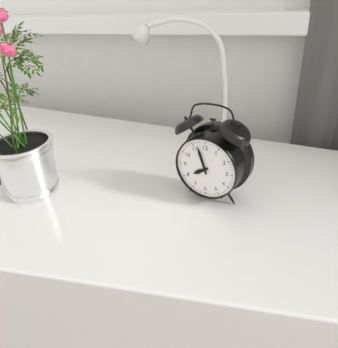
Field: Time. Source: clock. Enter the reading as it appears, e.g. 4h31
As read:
7h57
